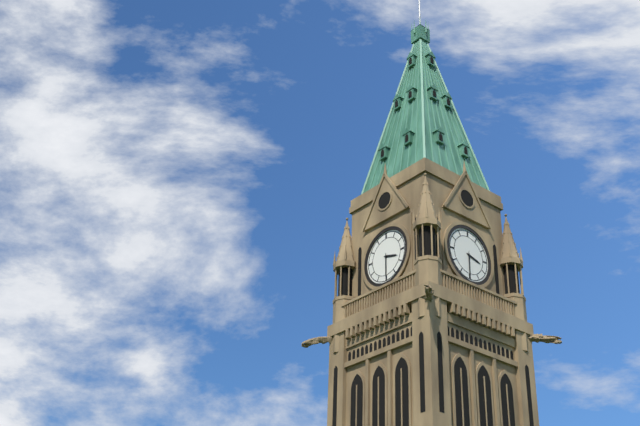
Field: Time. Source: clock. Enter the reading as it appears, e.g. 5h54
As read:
3h30
